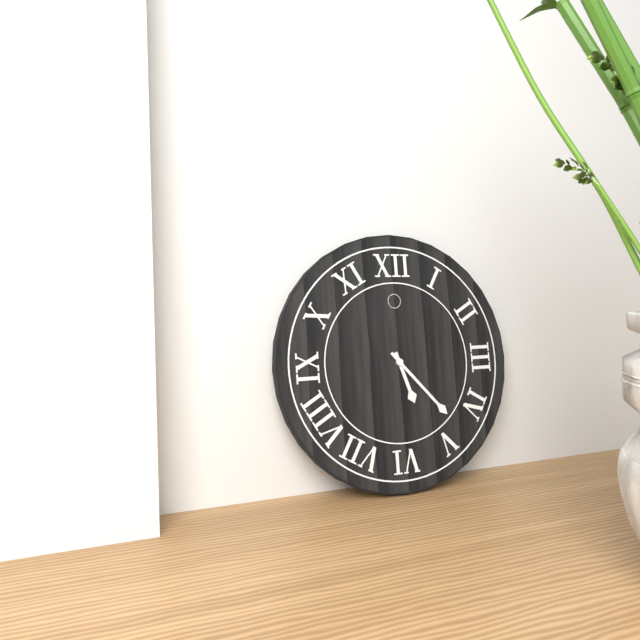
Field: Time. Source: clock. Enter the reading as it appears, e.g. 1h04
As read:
5h23
